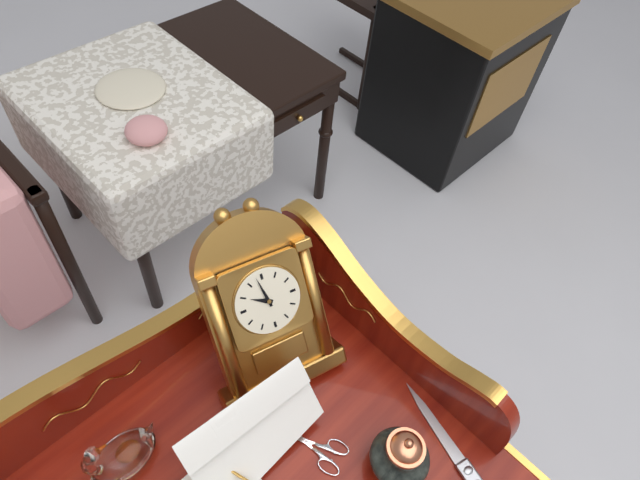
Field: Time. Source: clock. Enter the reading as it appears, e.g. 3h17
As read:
9h58
